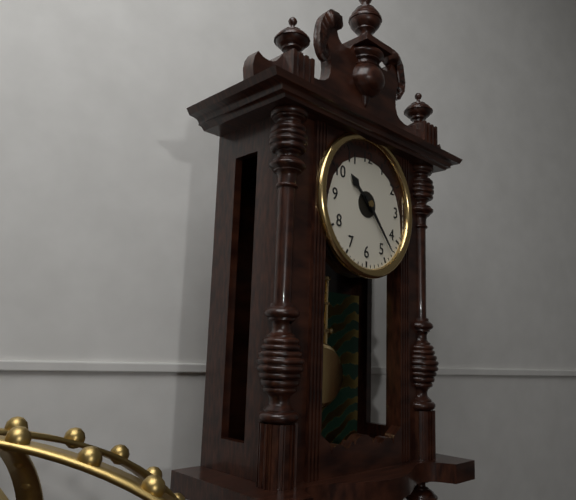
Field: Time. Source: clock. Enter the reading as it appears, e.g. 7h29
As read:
10h23
